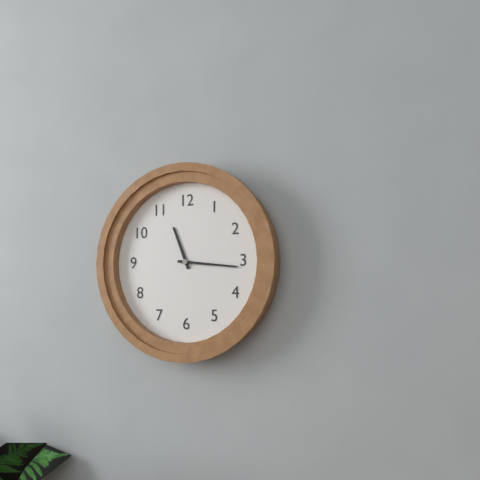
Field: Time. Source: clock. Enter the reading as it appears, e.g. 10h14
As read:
11h16
